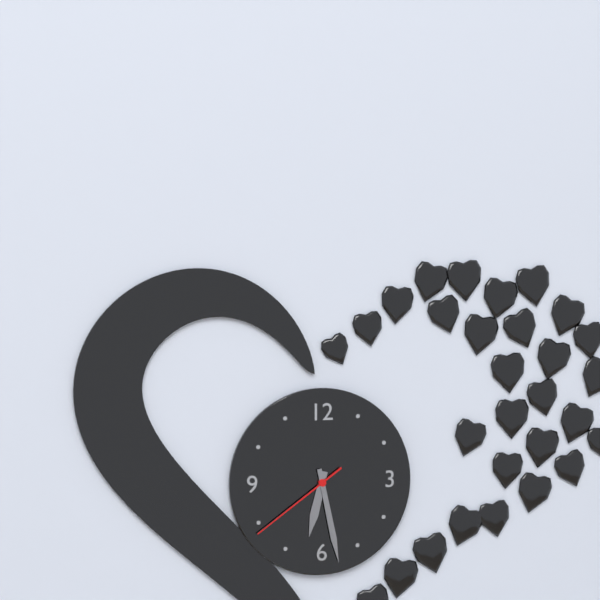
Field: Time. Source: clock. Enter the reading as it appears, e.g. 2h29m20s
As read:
6h28m39s
